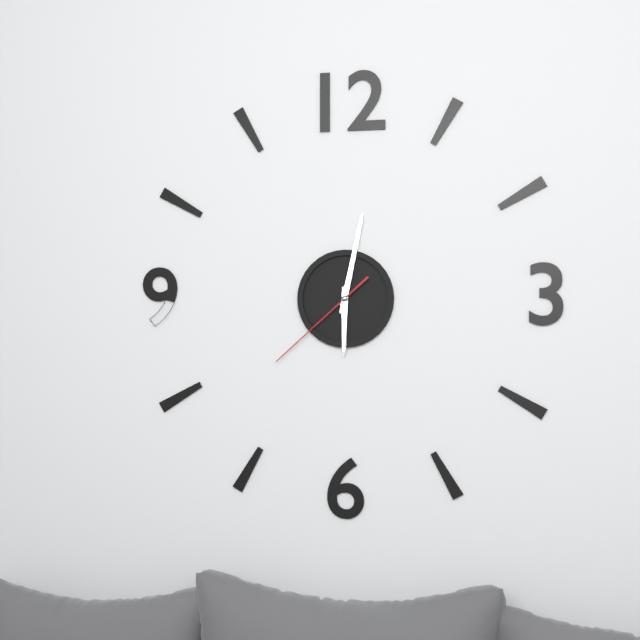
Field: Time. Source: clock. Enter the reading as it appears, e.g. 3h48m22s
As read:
6h02m38s
